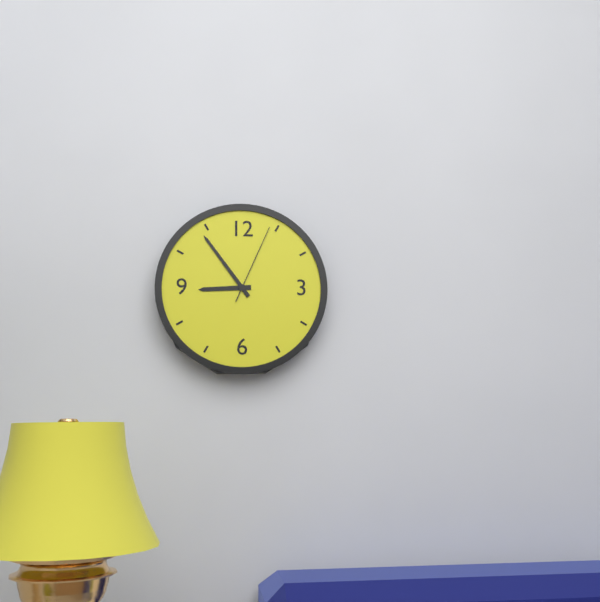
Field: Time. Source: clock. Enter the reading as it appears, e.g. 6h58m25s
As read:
8h54m04s
